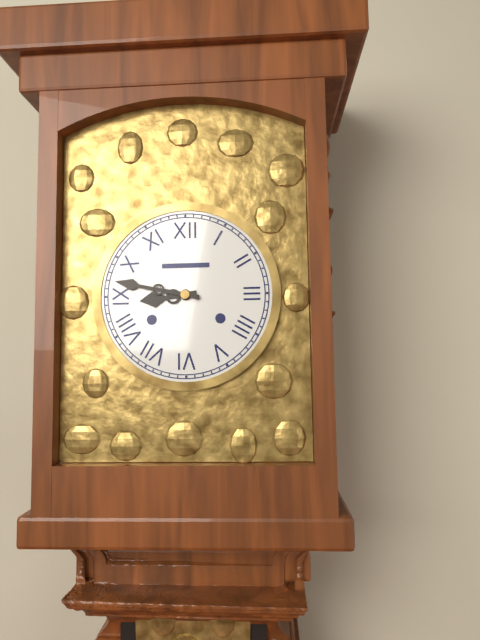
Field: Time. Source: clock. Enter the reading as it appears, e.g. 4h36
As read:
8h47
